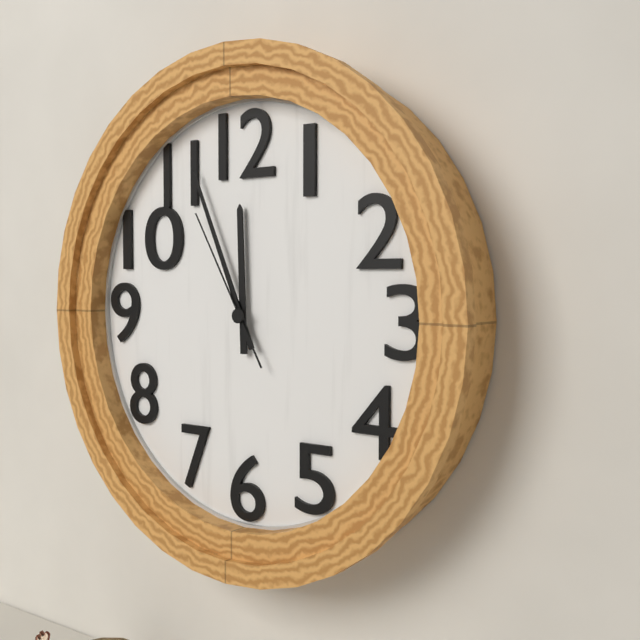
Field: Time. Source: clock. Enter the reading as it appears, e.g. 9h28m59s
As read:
11h56m55s
